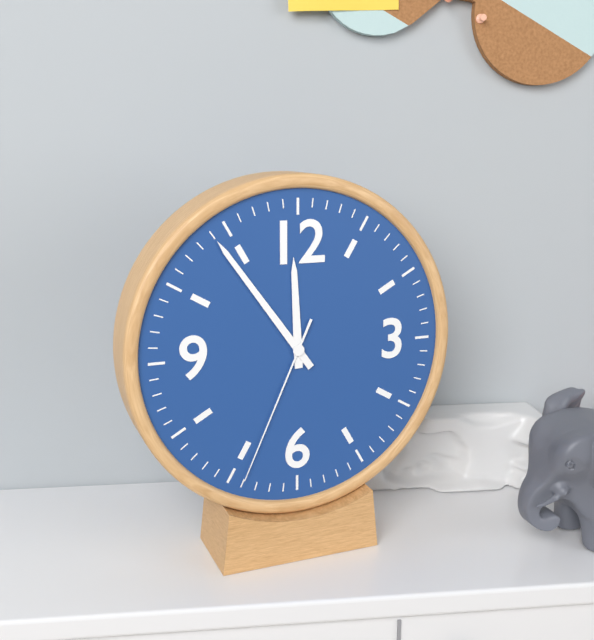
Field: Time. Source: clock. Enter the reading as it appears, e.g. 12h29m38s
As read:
11h54m34s
